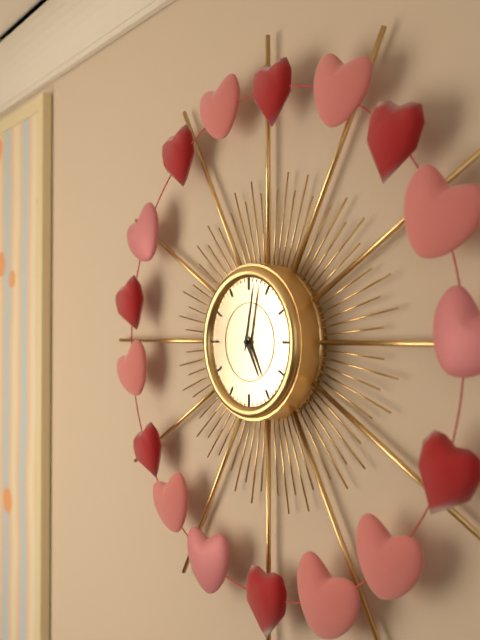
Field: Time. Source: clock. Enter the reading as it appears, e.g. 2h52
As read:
5h02
